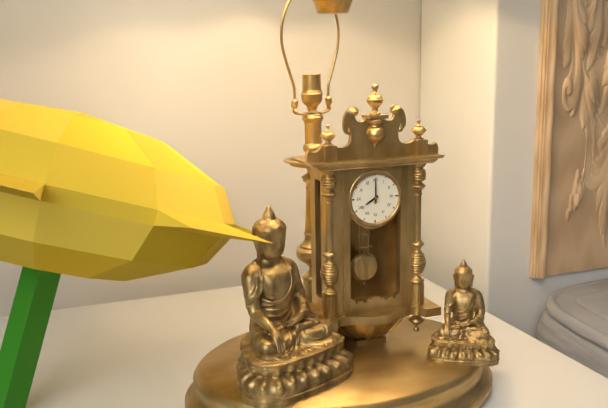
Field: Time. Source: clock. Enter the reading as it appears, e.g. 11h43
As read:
8h00
